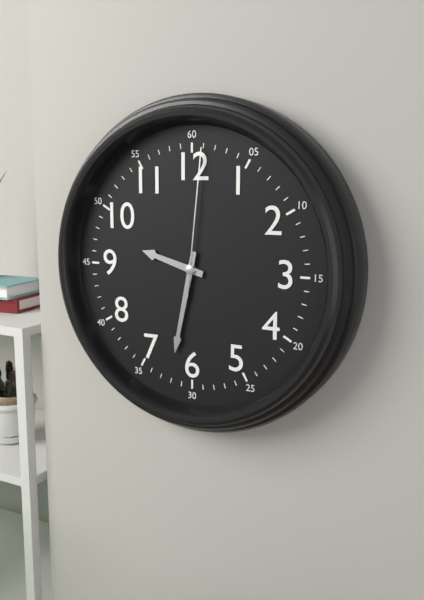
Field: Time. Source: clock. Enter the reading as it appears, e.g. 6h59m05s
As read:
9h32m01s
